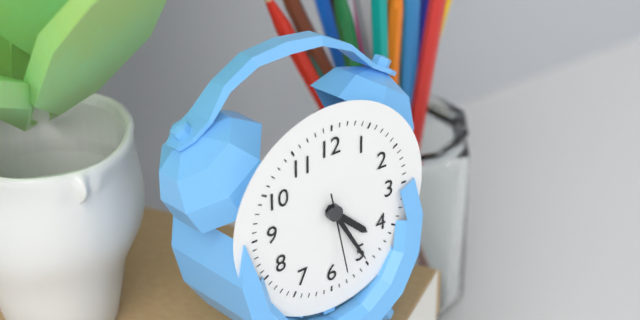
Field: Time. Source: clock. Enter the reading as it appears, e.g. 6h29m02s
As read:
4h25m28s
